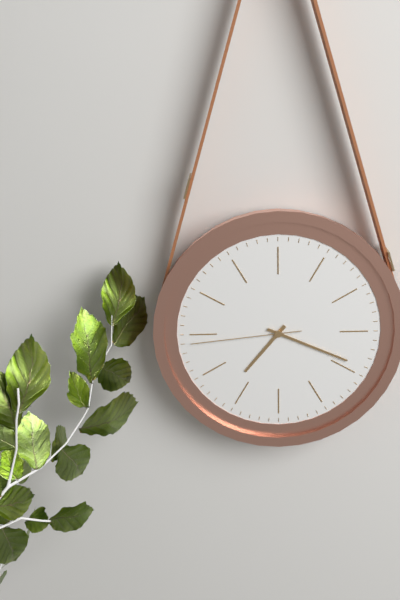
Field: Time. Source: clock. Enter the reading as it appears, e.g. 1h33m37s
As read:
7h19m44s
